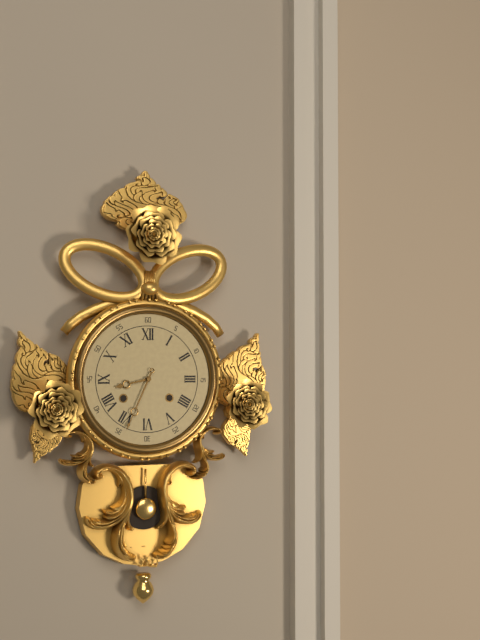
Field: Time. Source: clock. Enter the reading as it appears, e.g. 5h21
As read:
8h34
